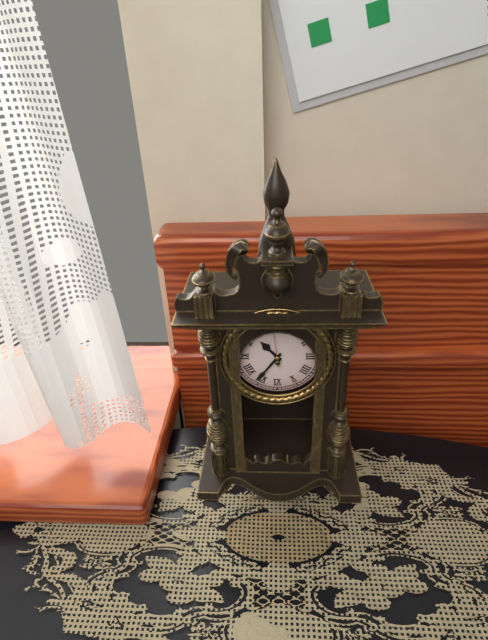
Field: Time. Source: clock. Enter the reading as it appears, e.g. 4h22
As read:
10h36
